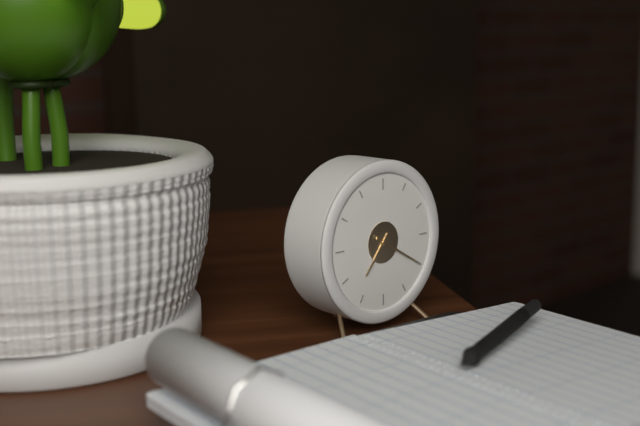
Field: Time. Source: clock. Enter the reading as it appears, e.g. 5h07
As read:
7h20
